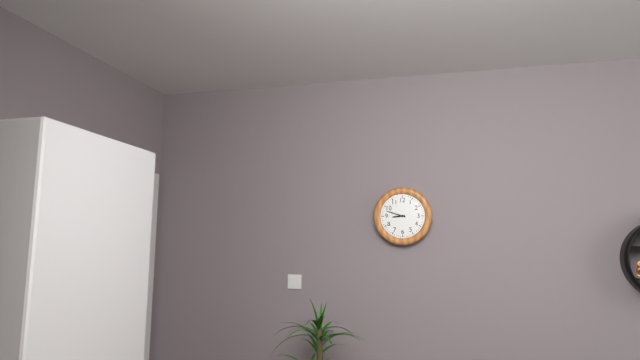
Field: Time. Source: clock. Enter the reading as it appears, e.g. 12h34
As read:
8h48
